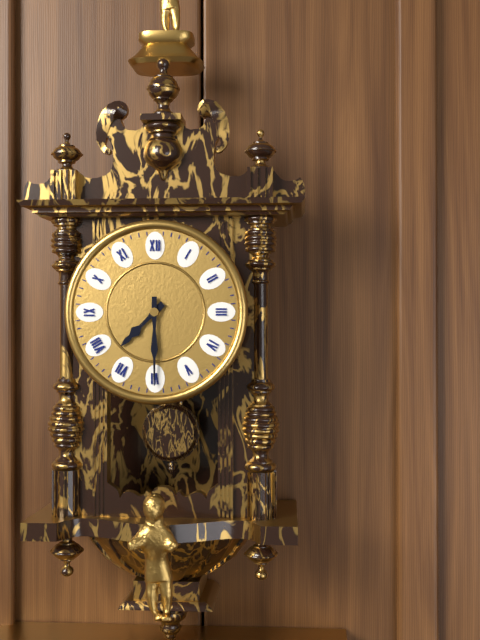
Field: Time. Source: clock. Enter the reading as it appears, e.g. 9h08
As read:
7h30
